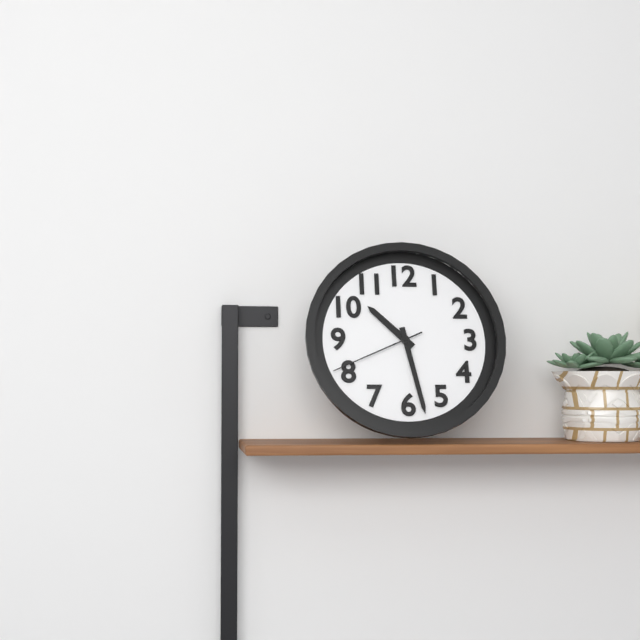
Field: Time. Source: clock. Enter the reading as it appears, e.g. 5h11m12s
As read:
10h28m41s
